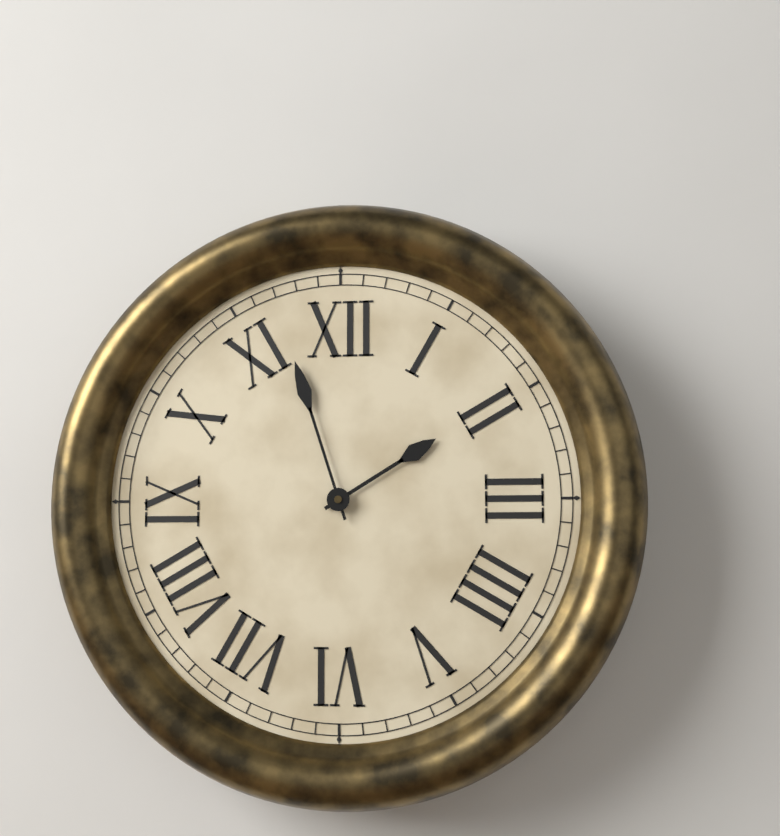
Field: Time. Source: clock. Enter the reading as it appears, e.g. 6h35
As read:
1h57
